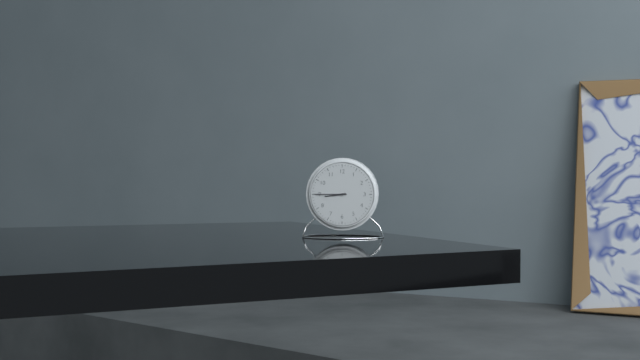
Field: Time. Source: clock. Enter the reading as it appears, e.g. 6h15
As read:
8h45
